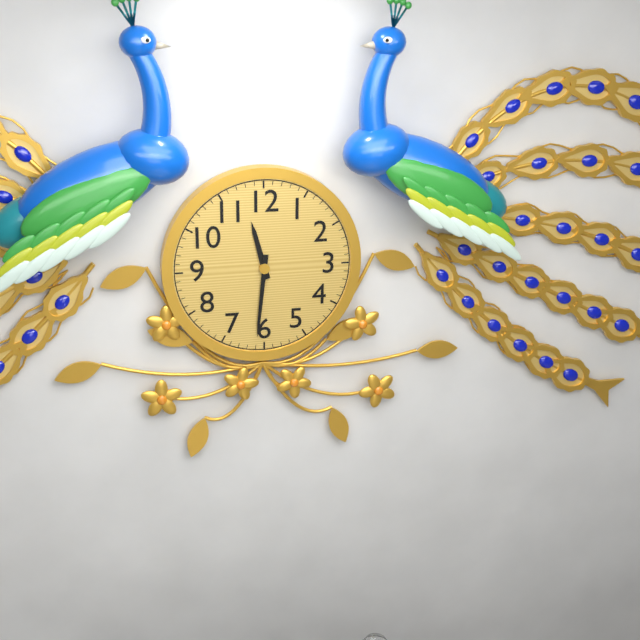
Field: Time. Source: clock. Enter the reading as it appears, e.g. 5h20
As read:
11h31
